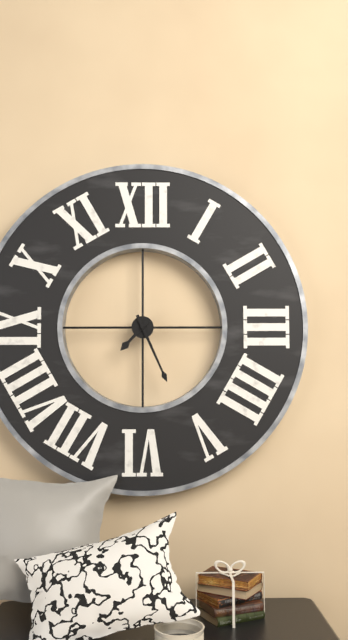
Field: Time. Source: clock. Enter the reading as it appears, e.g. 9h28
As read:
7h26
